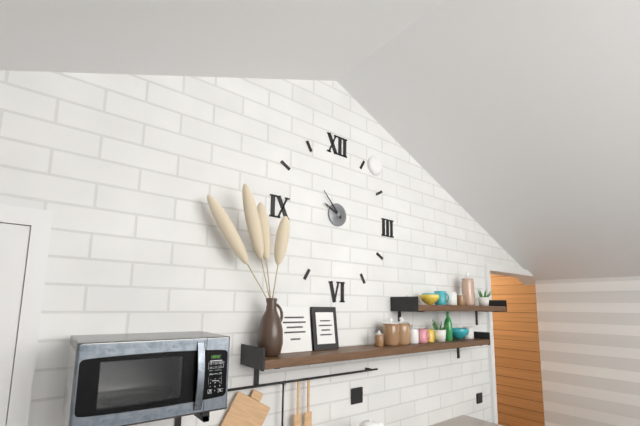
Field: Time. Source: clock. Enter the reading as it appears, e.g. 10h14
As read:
9h53
